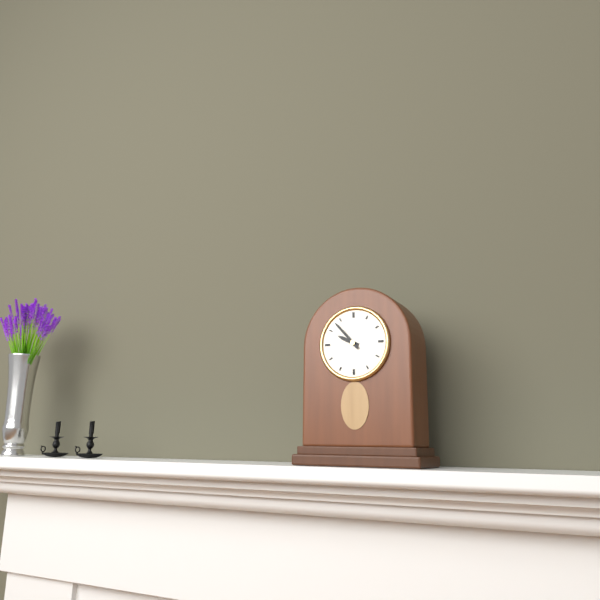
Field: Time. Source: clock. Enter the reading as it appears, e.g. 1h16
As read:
9h53
